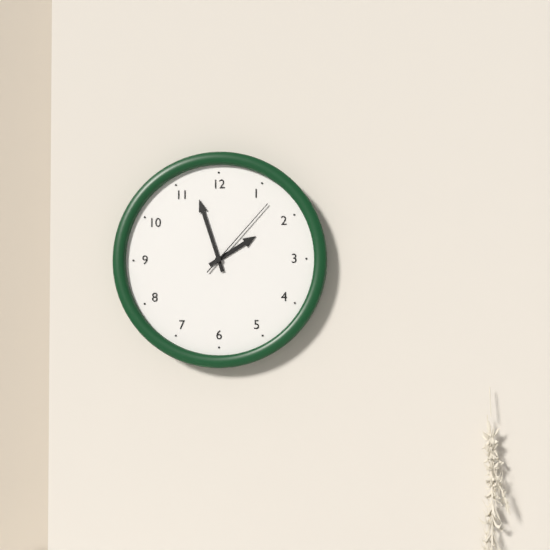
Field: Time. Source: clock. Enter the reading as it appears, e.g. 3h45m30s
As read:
1h57m07s
